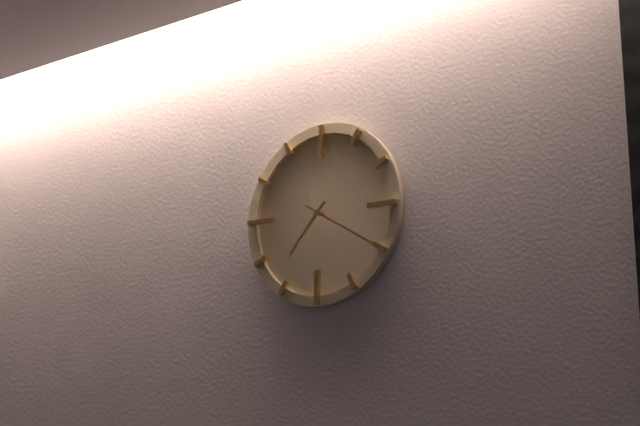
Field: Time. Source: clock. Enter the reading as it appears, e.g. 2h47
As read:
7h20
